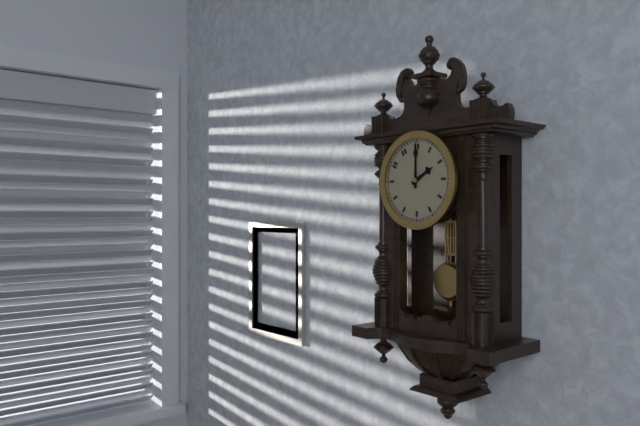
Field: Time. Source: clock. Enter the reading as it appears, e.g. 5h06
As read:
2h00
